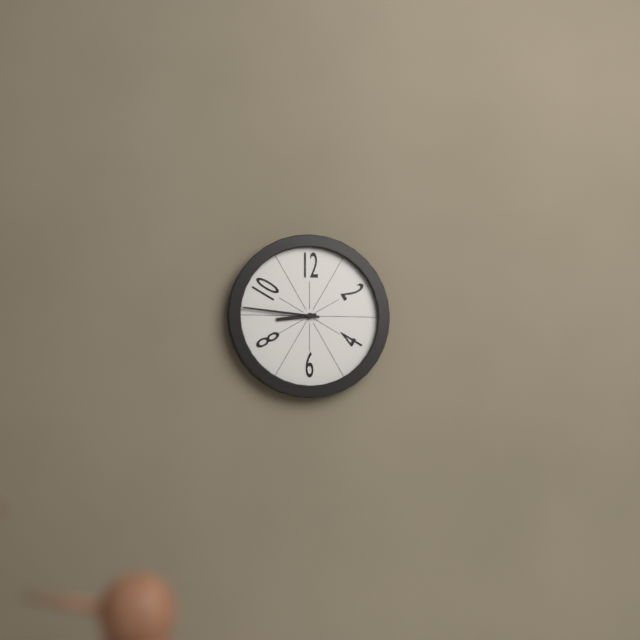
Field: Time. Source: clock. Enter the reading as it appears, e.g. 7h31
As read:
8h46
